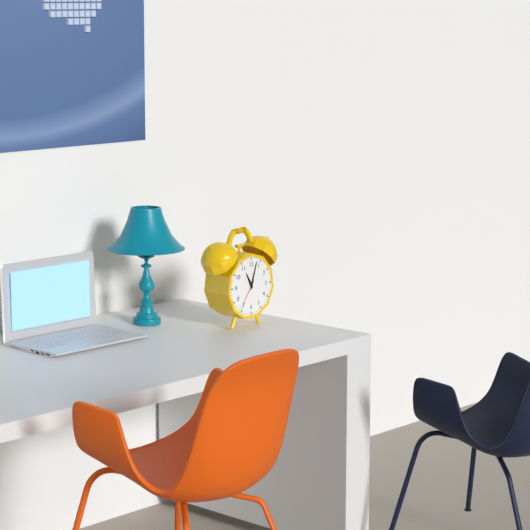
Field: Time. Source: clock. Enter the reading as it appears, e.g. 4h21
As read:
11h03
